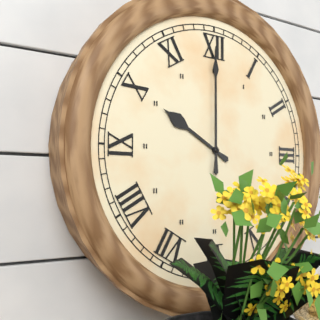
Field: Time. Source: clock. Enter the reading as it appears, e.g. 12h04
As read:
10h00
